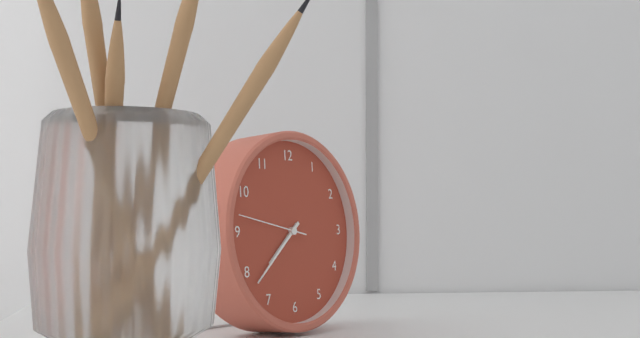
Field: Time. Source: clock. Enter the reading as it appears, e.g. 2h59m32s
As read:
7h38m47s
